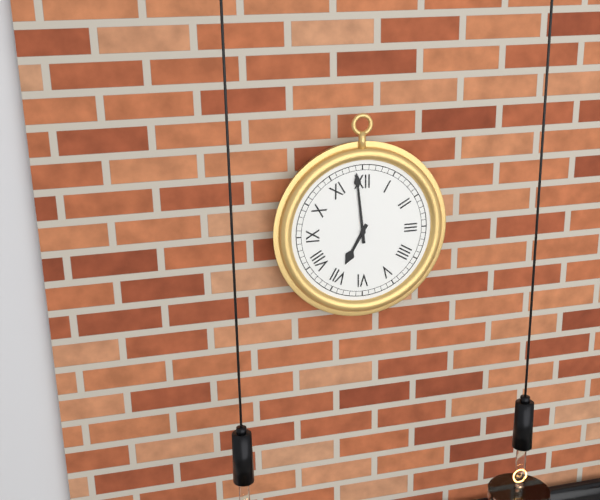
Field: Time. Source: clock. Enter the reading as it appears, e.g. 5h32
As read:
6h59
